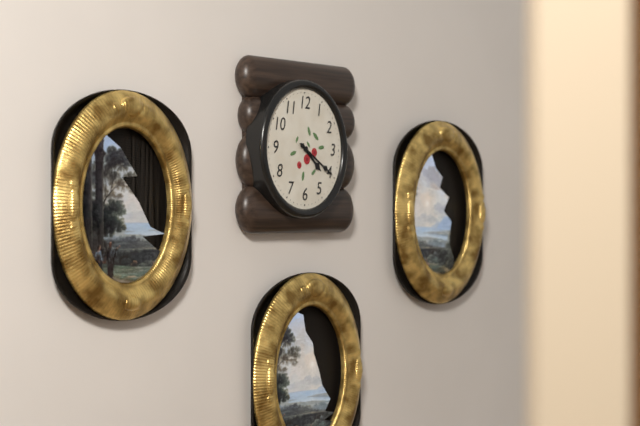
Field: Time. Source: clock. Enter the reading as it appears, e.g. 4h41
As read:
4h20
